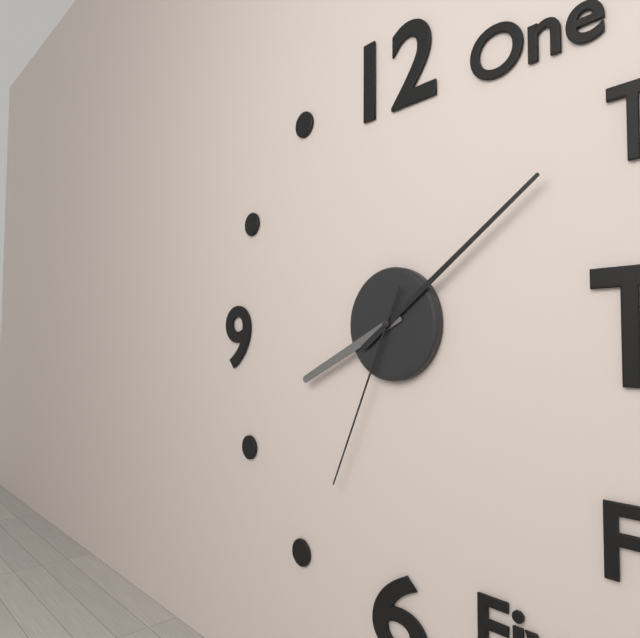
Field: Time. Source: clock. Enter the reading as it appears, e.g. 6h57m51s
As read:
8h09m34s
